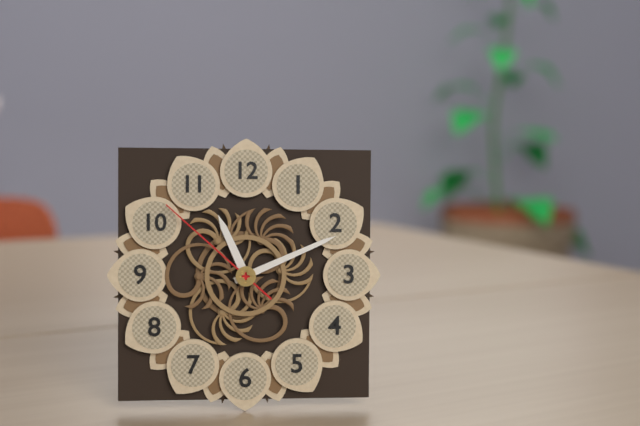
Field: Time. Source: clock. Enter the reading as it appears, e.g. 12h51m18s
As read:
11h11m52s
